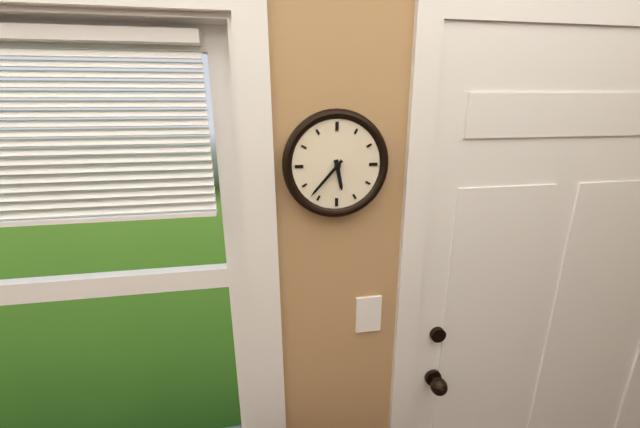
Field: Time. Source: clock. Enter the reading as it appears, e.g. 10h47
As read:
5h37
